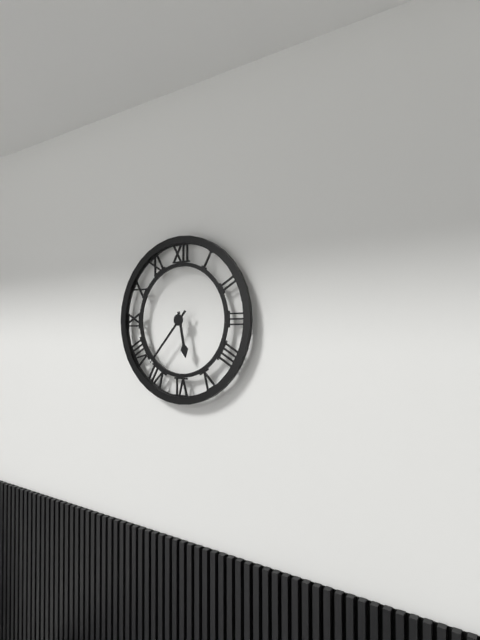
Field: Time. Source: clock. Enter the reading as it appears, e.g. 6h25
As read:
5h37
